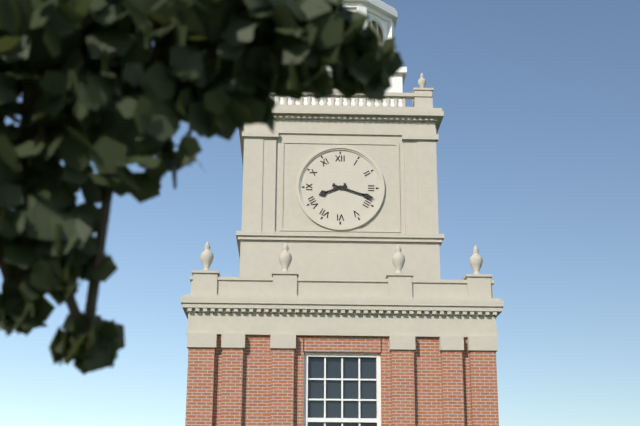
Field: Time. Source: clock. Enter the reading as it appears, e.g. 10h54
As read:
8h18
